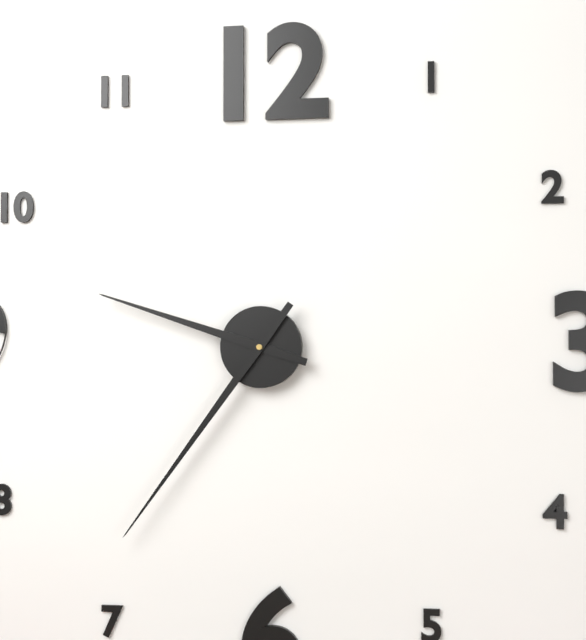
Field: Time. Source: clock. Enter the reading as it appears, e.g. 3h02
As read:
9h36
